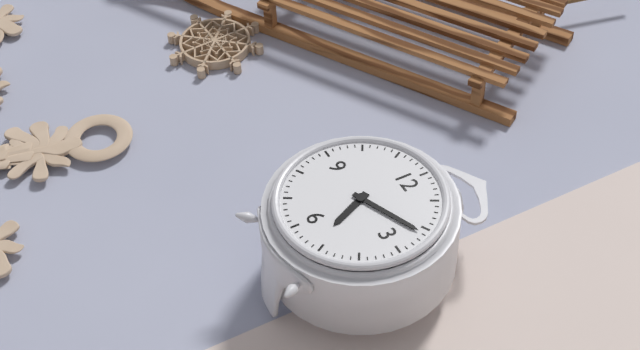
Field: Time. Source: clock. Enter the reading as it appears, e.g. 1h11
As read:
5h11
